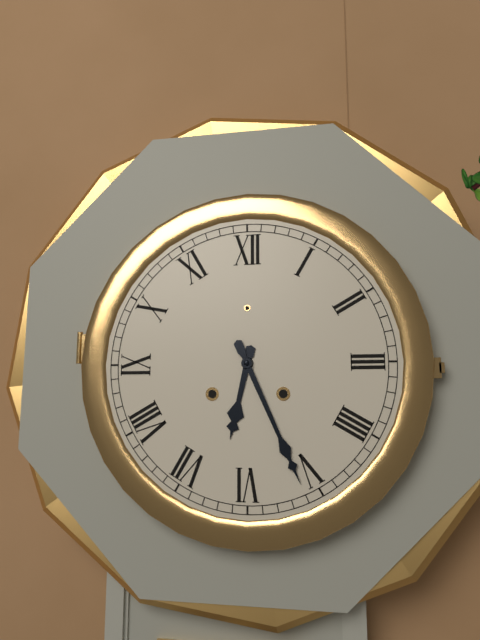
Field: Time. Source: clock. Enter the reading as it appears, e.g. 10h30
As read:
6h26
